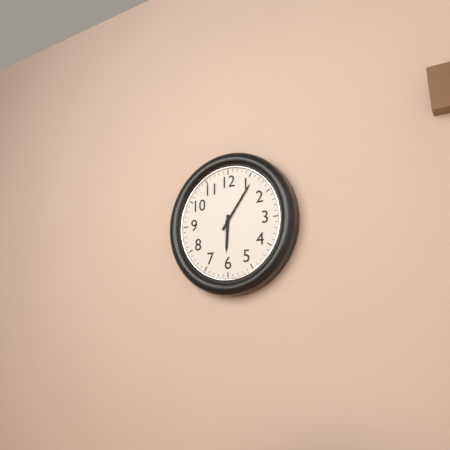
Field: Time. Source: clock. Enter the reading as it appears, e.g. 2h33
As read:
6h06
